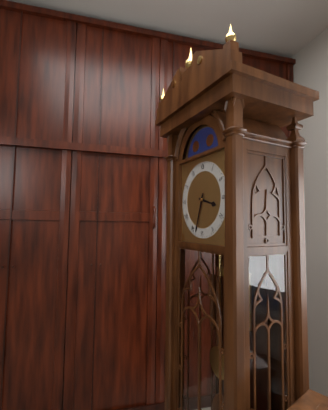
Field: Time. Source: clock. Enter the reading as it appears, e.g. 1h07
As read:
3h33
